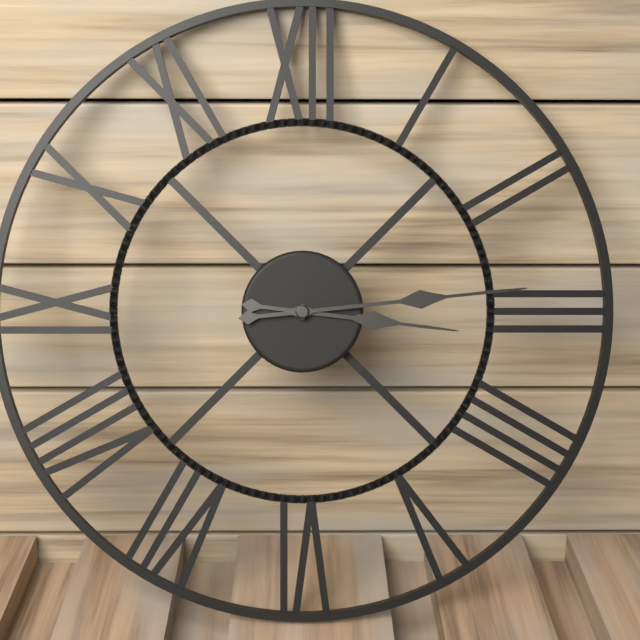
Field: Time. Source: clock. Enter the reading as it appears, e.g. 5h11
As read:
3h14
